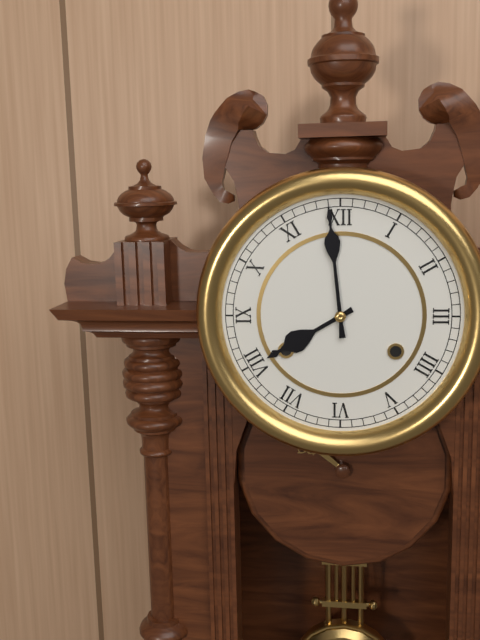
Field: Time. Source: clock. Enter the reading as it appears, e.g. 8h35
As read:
7h59
